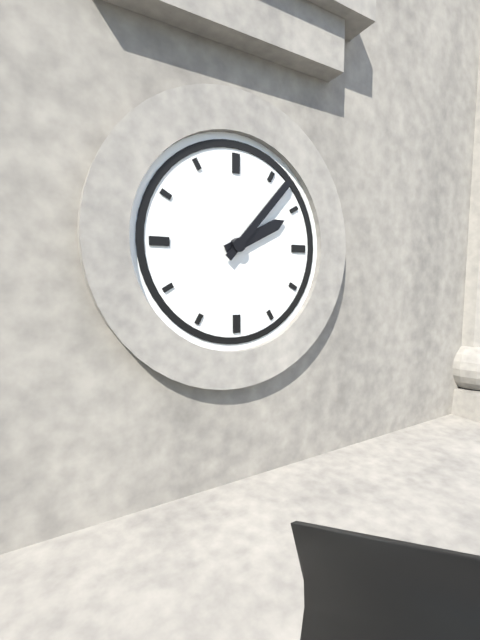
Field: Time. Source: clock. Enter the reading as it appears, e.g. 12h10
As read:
2h07
